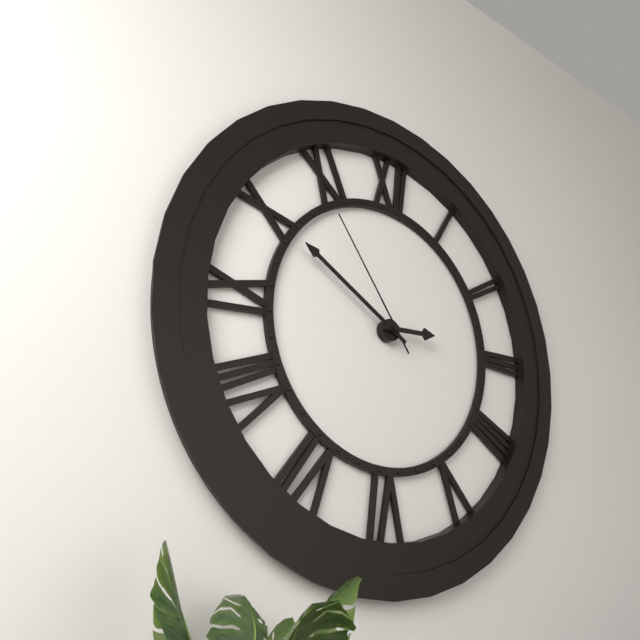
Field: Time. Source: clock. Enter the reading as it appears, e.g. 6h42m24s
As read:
2h50m54s
